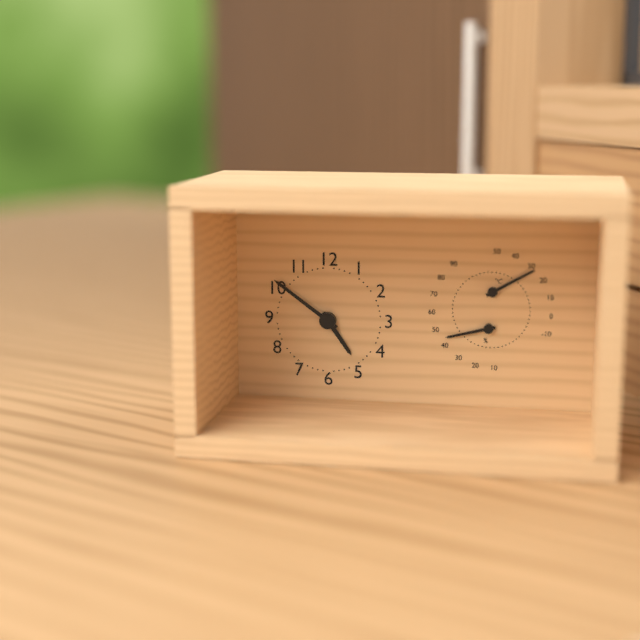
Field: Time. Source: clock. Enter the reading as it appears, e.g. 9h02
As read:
4h51
